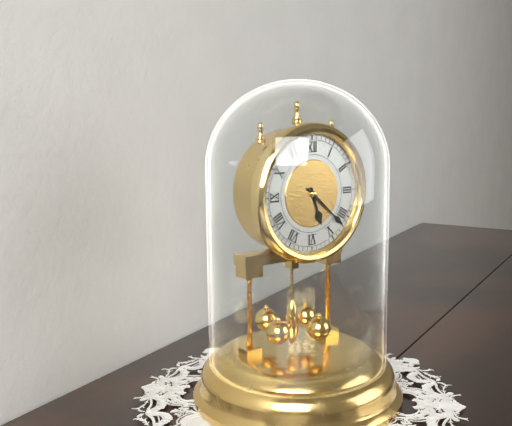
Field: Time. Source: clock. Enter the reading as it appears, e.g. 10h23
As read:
5h22
